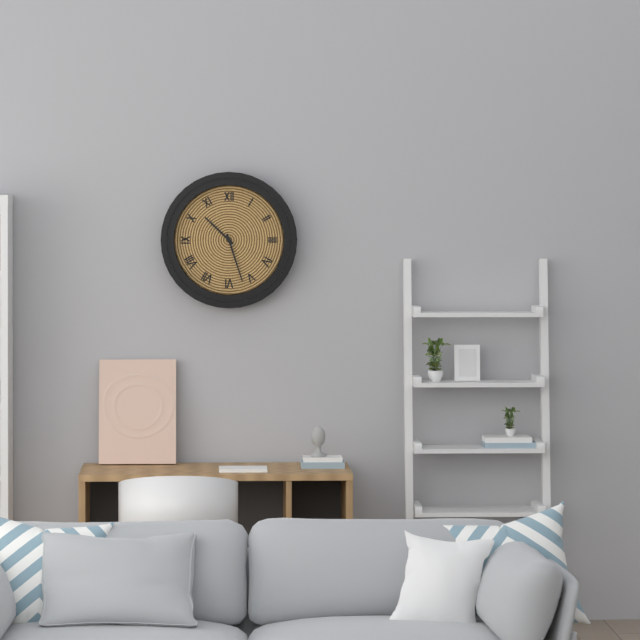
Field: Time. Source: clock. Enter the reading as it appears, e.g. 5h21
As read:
10h27
